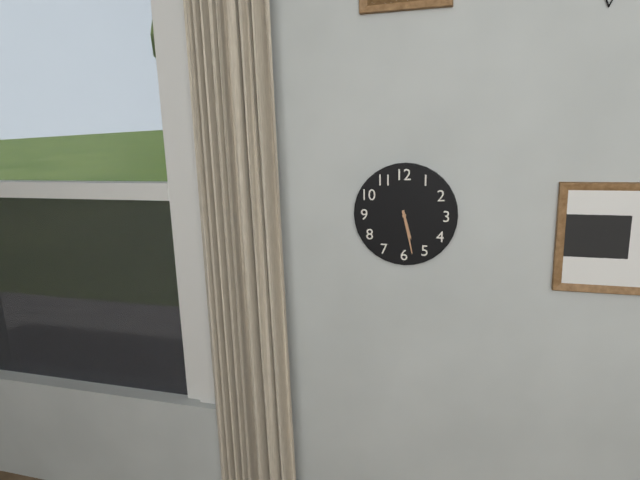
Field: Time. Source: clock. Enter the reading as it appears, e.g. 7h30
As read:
5h28
